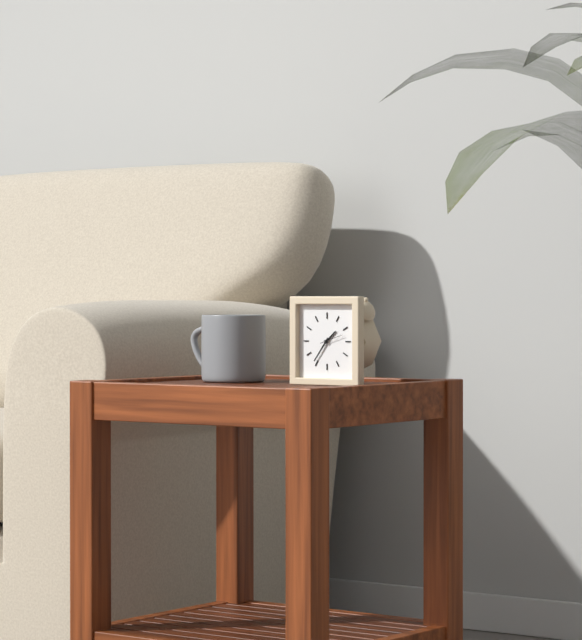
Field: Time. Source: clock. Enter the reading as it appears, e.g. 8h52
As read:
1h36
